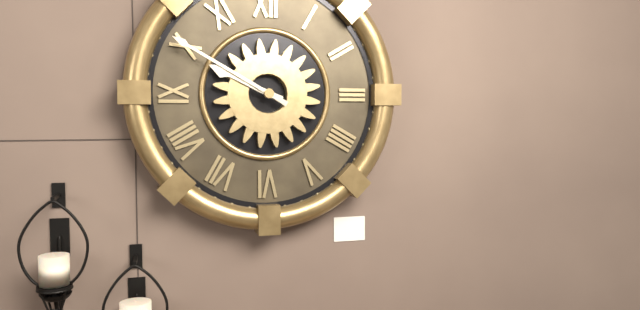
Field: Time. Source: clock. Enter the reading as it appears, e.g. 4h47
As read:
9h50
